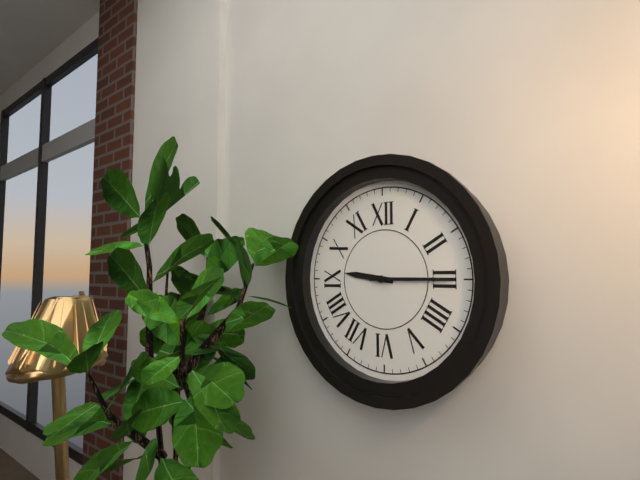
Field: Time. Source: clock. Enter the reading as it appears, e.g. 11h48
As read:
9h15
